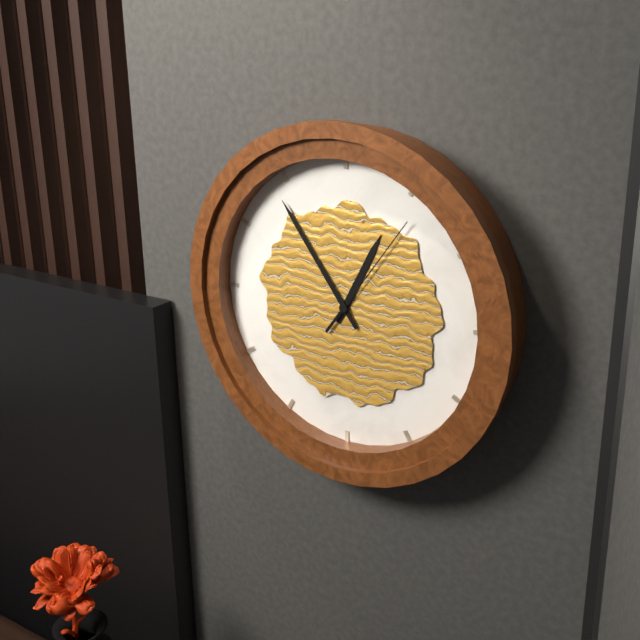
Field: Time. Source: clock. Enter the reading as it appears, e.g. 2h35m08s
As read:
12h54m06s
